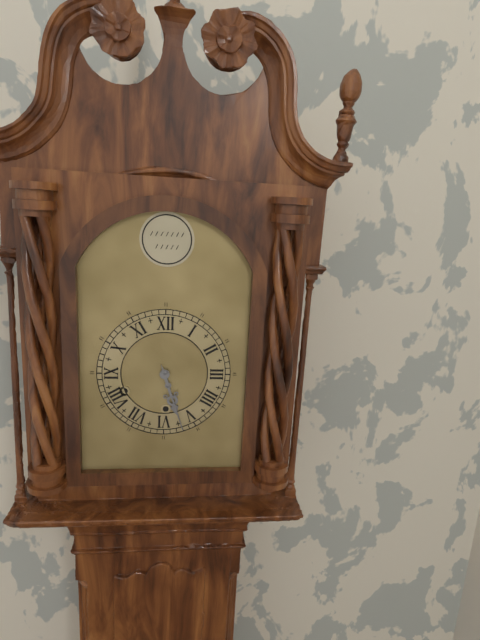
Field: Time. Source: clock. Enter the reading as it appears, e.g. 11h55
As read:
5h27
